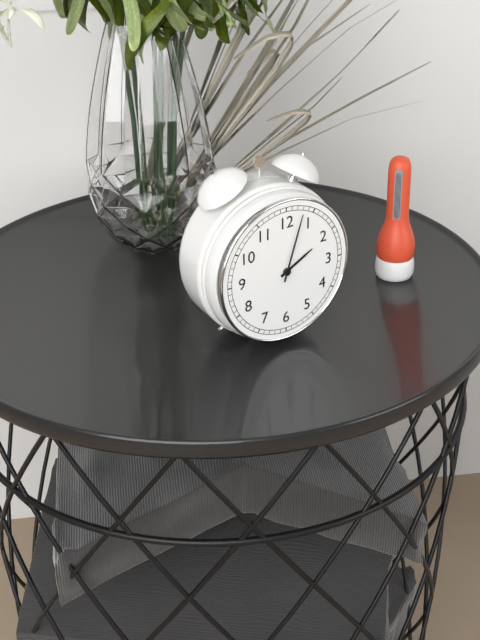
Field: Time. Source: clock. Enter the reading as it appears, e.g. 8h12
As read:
2h03
